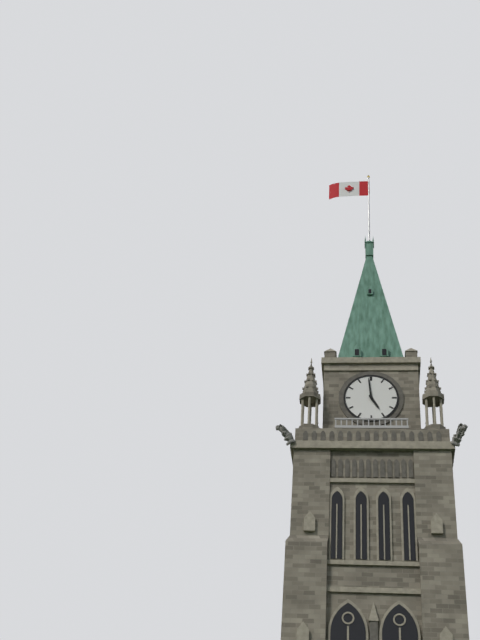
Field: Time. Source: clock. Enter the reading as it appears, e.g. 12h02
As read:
4h59
